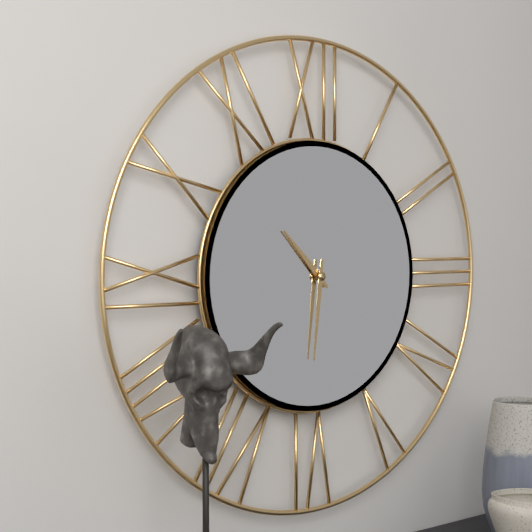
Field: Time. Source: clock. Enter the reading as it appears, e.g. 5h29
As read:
10h31
